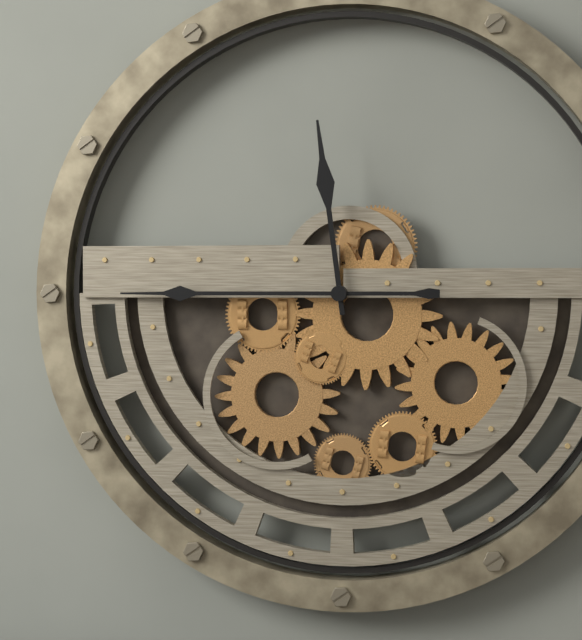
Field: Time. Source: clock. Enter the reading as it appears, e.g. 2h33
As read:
11h45
